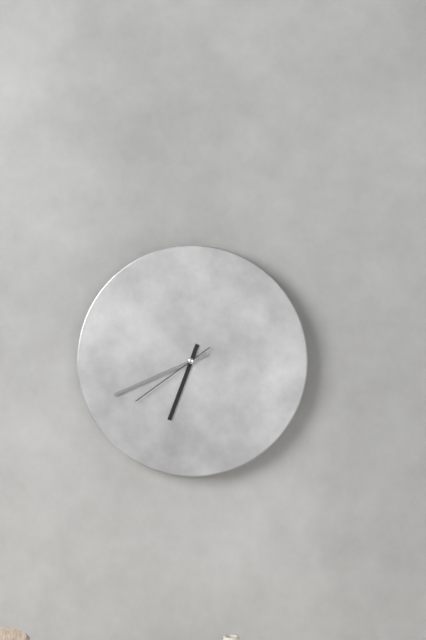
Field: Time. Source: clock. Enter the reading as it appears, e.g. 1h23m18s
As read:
6h41m39s
